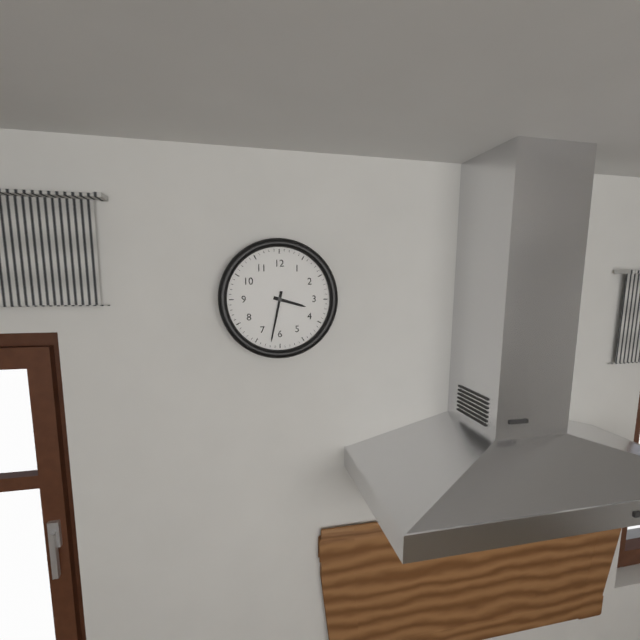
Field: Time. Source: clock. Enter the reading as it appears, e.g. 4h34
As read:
3h32
